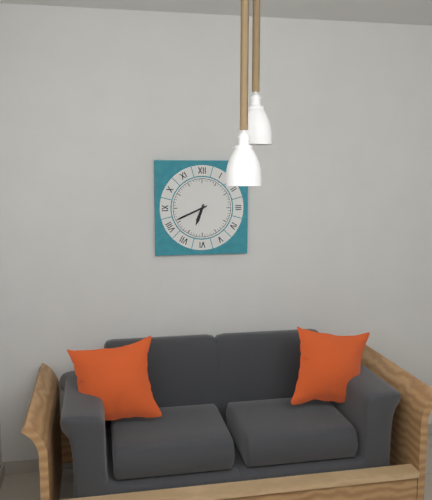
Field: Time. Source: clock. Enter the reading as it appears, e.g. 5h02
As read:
6h41
